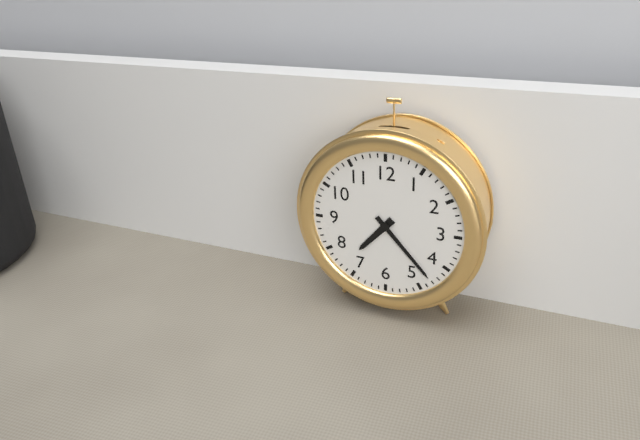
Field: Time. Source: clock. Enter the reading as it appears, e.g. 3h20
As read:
7h23
